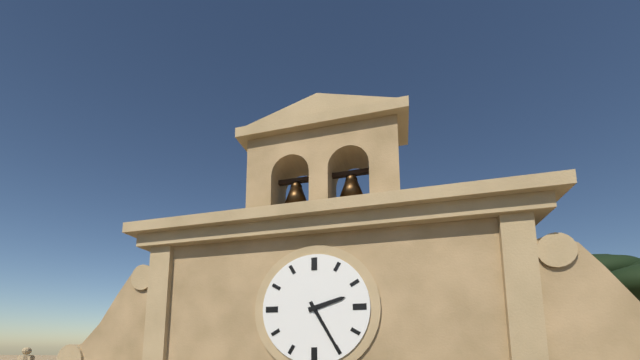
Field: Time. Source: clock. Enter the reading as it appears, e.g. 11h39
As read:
2h25
